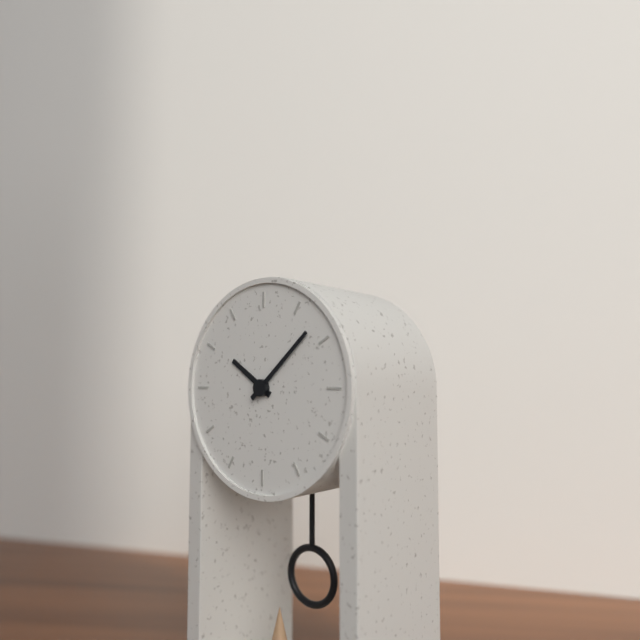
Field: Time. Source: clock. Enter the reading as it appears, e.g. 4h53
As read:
10h08
